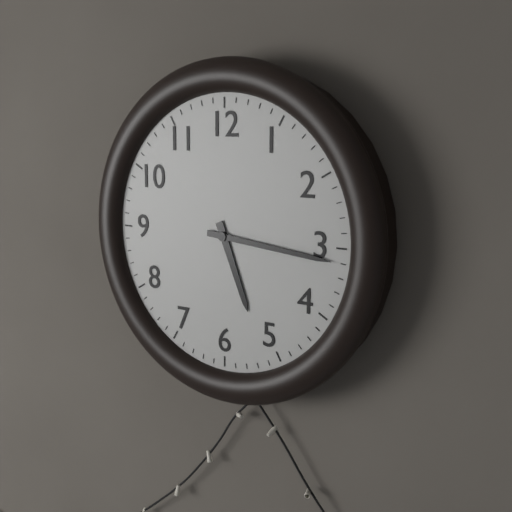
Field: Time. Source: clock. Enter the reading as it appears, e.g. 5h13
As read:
5h16
